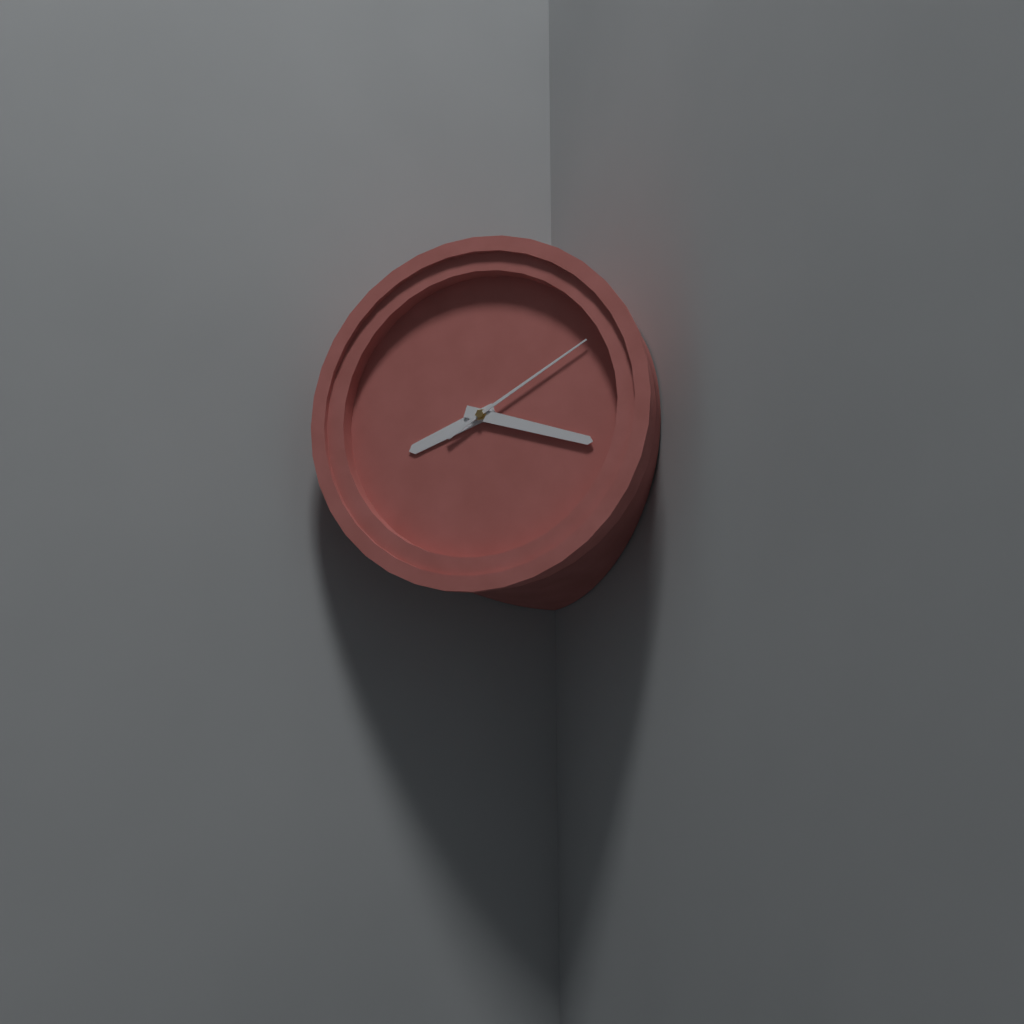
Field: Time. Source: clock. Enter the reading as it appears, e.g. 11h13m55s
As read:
8h18m10s
